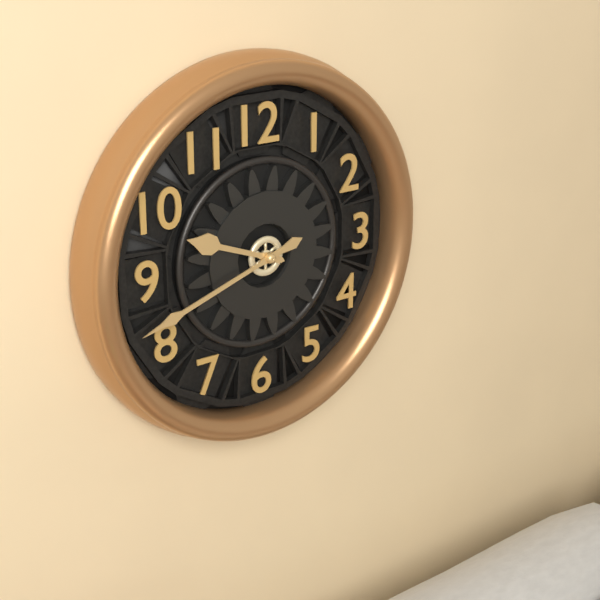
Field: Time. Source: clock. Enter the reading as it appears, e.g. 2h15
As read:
9h42
